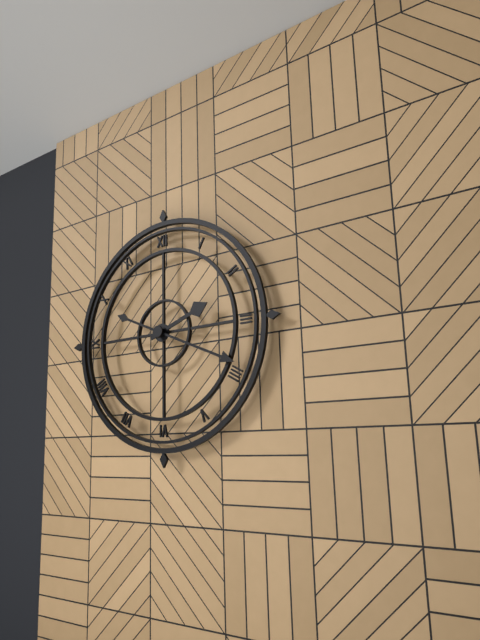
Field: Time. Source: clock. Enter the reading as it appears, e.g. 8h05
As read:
2h19
